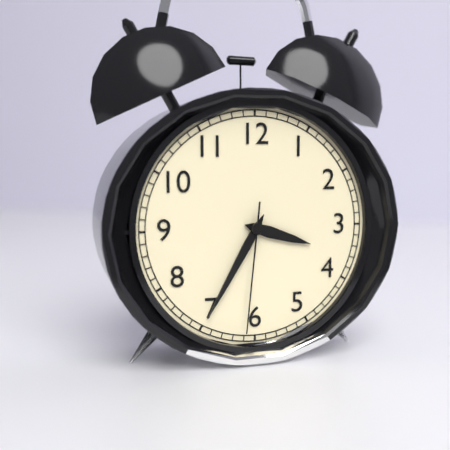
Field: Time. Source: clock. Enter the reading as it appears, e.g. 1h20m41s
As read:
3h35m31s
